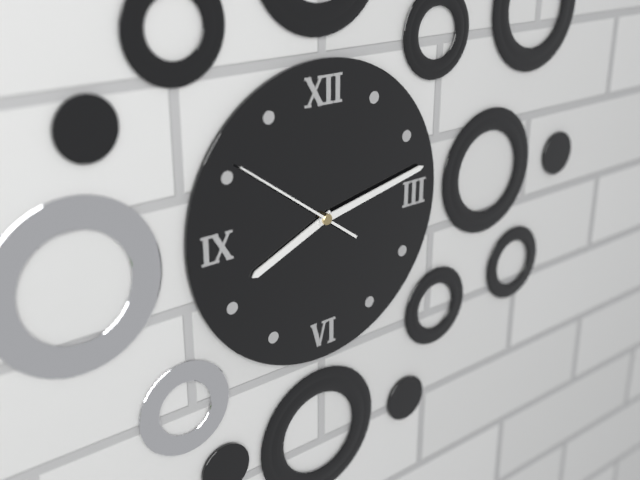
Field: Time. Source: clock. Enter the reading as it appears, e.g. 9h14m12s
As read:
8h13m51s
